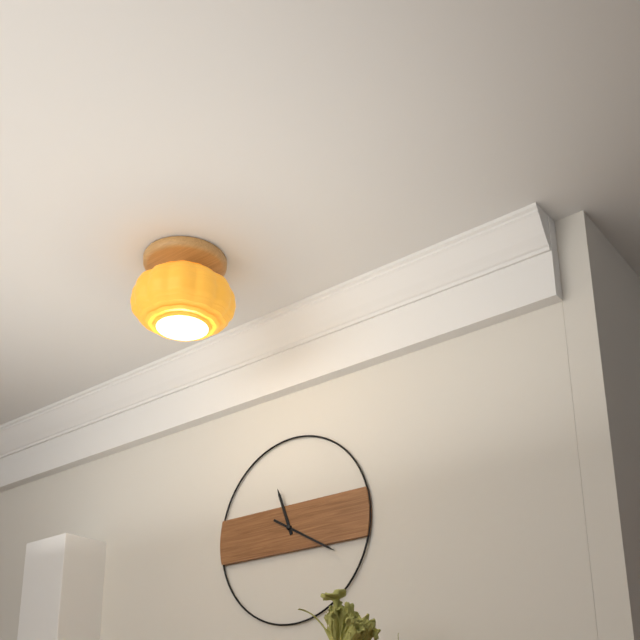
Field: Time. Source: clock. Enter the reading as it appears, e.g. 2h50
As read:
11h20
